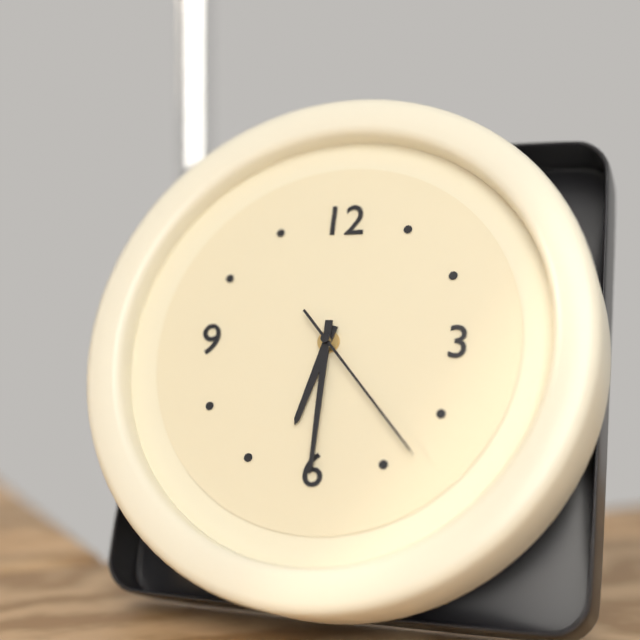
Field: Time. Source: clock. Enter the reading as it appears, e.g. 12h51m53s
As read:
6h30m23s
